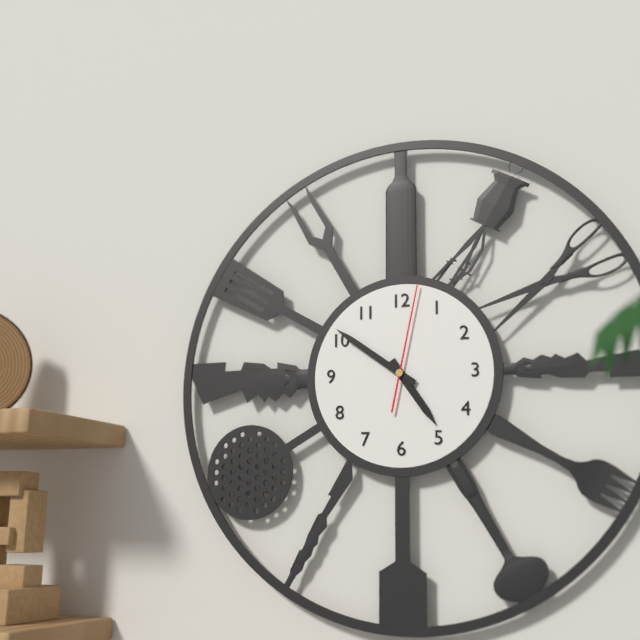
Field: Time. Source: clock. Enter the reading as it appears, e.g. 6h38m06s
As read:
4h51m02s
